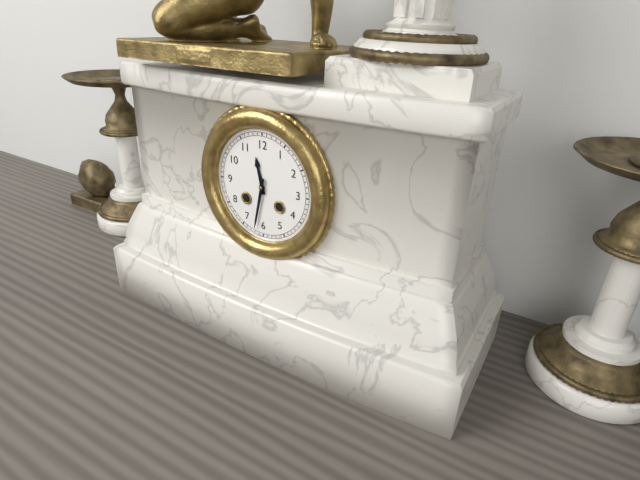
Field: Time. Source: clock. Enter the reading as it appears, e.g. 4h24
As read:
11h32
